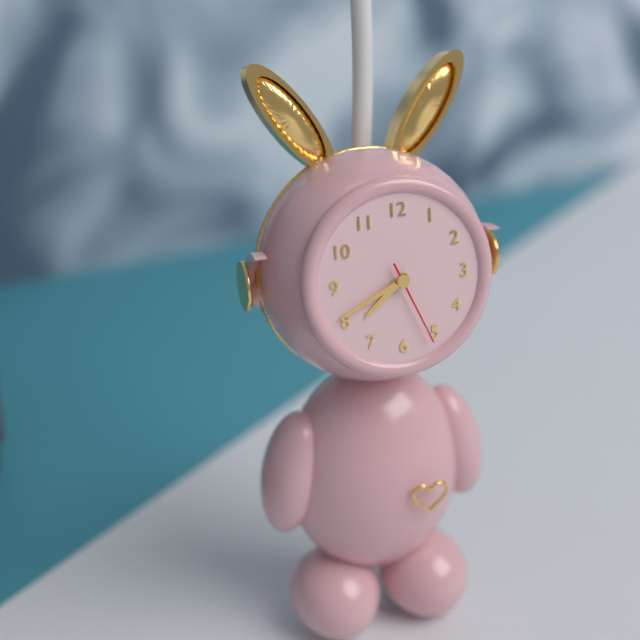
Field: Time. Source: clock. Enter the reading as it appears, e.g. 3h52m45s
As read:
7h41m26s
